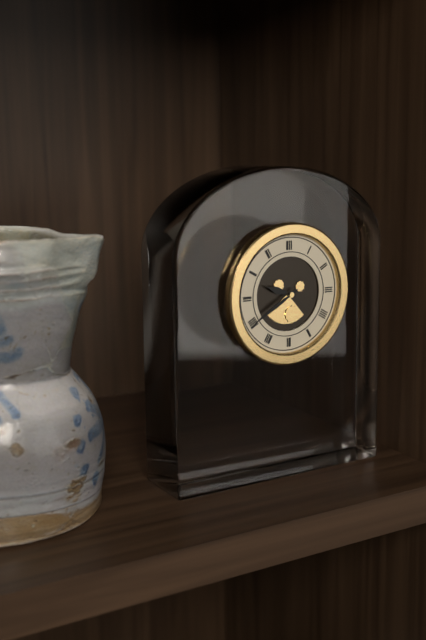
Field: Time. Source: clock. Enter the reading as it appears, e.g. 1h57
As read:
9h40
